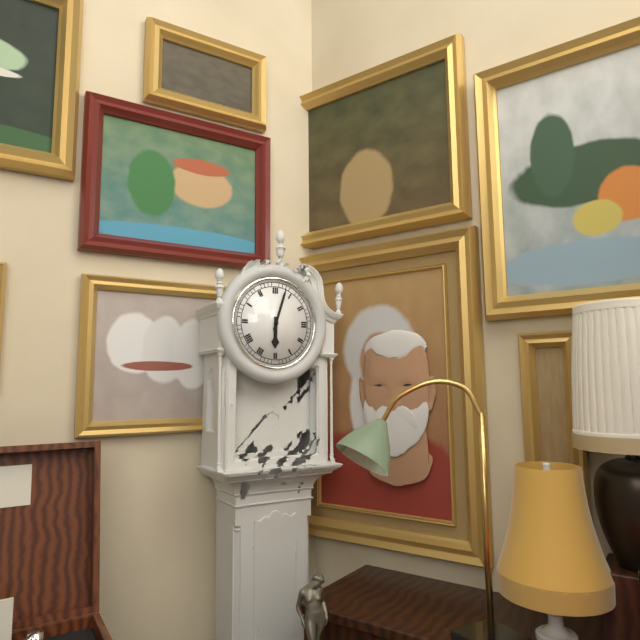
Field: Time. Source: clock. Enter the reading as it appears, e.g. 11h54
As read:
6h03
